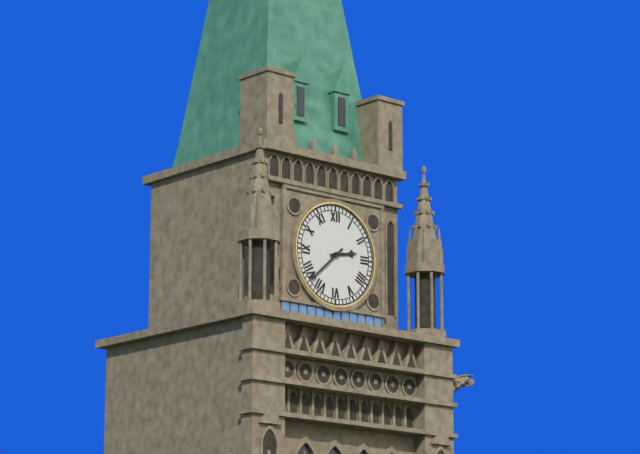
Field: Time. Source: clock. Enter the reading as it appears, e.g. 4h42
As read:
2h38
